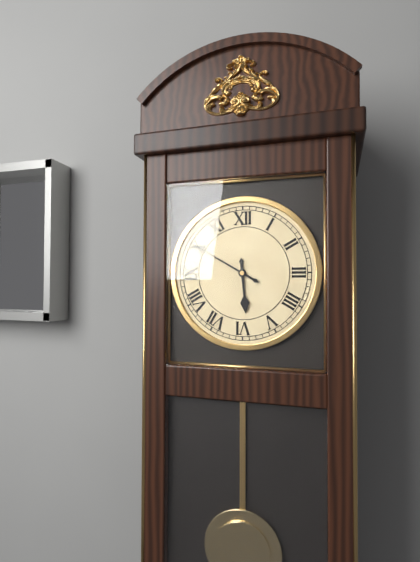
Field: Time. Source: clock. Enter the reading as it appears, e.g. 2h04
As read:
5h50
